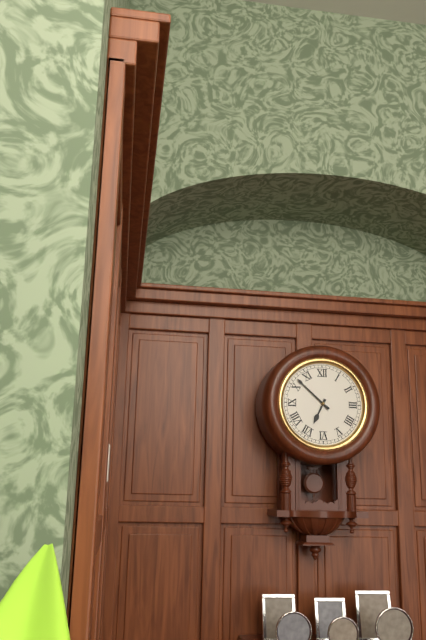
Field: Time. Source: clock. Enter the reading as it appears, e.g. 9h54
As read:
6h52
